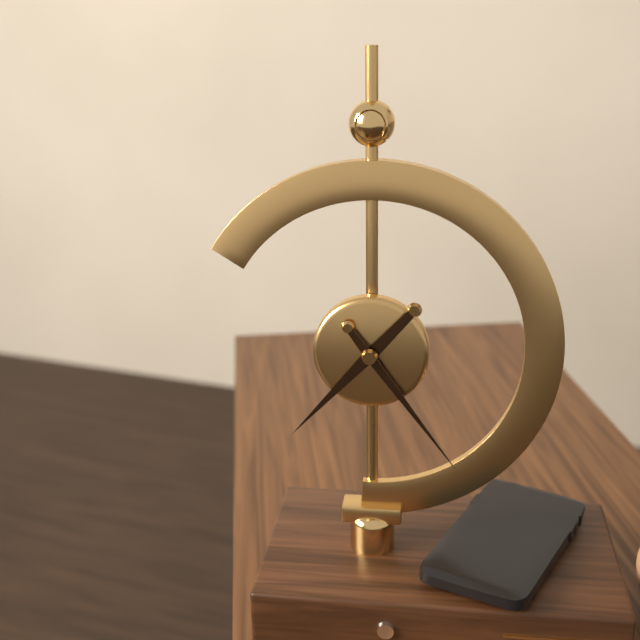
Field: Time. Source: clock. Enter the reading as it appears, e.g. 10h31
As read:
7h24
